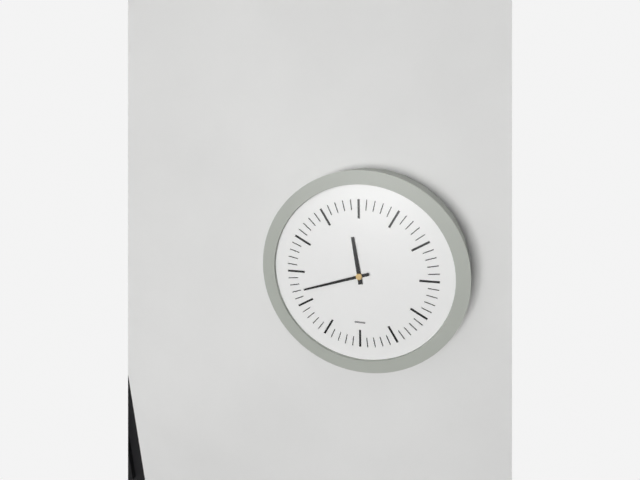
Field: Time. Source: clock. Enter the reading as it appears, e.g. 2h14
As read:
11h42
